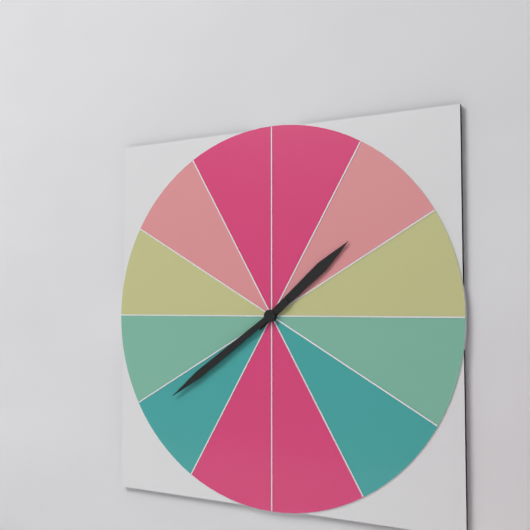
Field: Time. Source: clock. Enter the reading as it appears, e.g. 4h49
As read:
1h39
